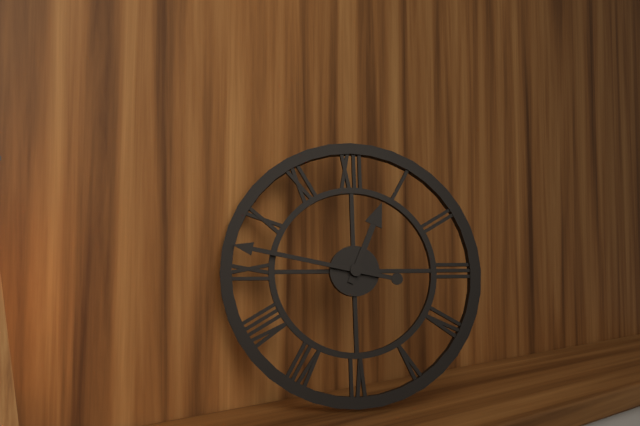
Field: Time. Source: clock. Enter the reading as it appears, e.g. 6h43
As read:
12h47
